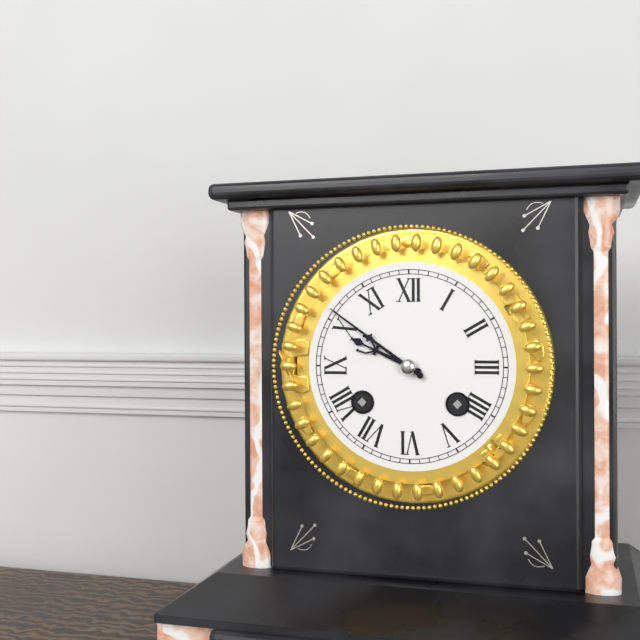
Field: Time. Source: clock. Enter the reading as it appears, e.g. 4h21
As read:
9h51
